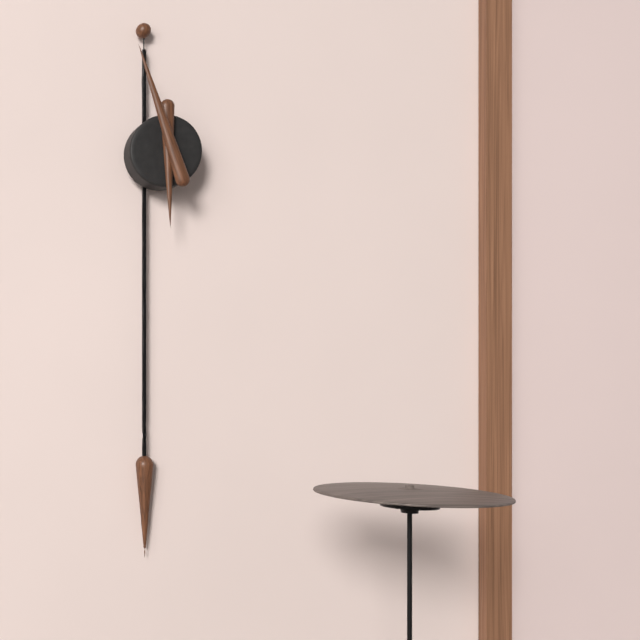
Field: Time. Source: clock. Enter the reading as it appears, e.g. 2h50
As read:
5h57
